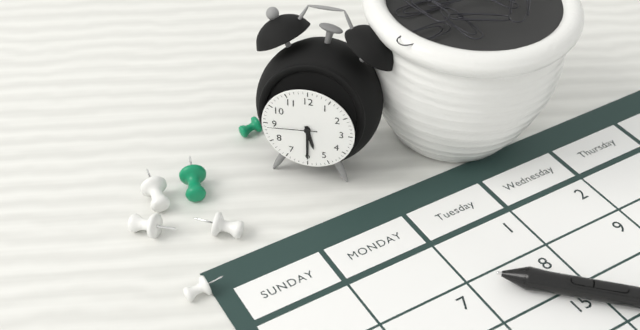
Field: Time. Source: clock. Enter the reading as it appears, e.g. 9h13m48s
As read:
5h30m44s
